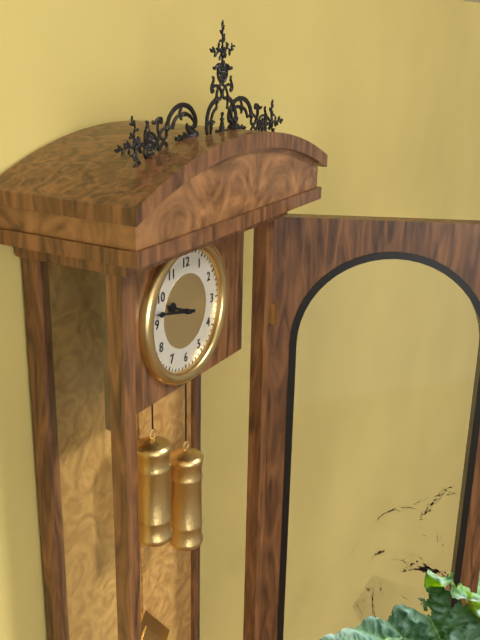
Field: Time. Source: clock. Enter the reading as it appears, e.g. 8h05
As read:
9h47
